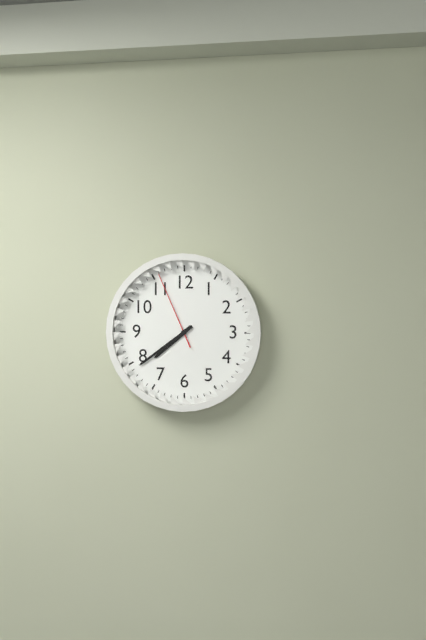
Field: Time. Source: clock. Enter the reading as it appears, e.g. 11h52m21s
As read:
7h39m56s
